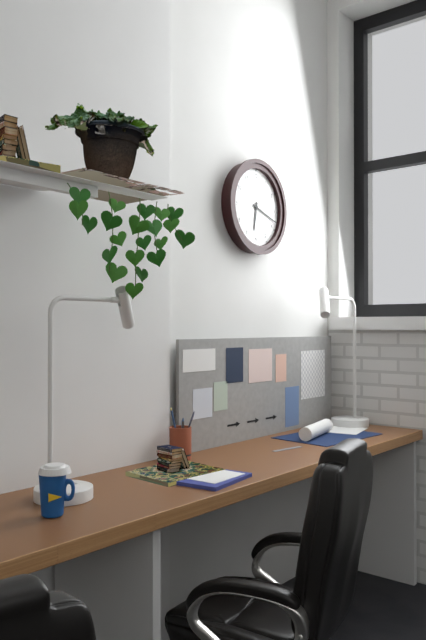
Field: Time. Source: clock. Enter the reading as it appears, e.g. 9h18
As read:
6h18
